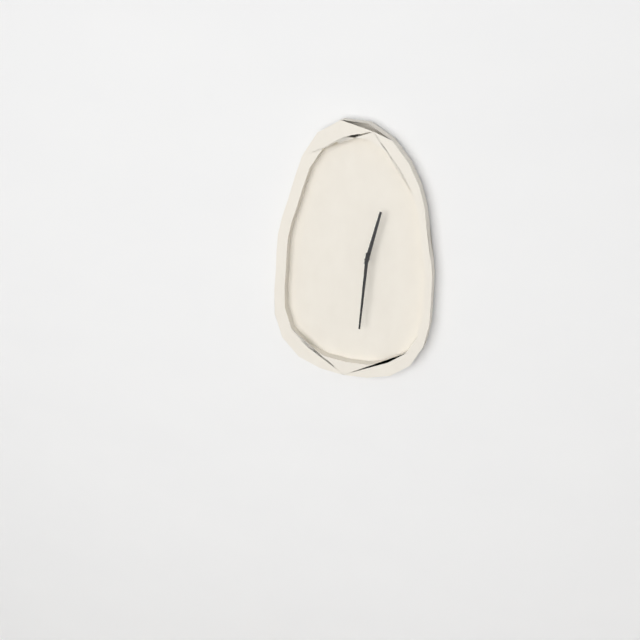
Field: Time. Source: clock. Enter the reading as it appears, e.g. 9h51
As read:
12h31
